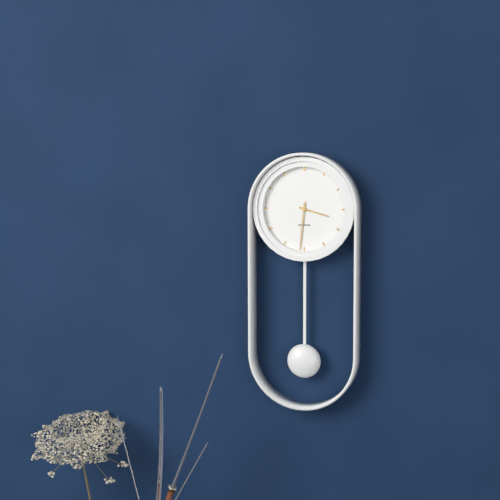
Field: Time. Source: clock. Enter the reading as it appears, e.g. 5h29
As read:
3h31
